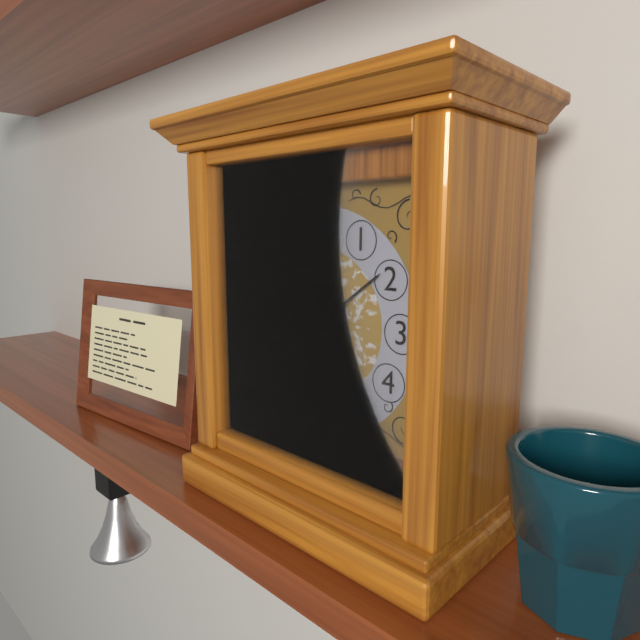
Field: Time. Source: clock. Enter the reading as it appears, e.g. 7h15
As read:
8h09
